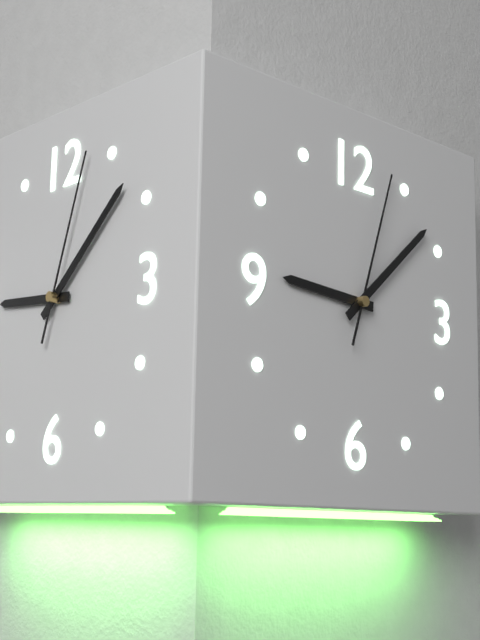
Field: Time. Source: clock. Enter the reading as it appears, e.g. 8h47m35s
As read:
9h08m03s
